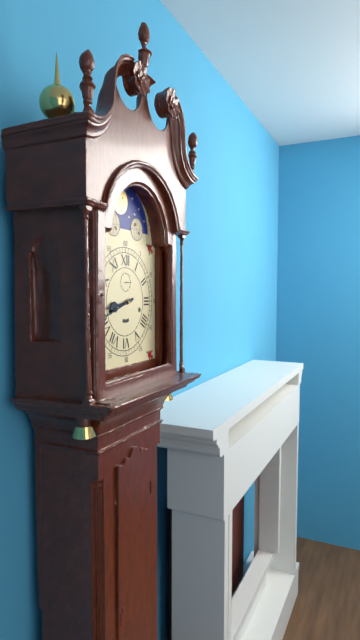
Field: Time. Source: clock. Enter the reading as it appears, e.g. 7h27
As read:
8h42
